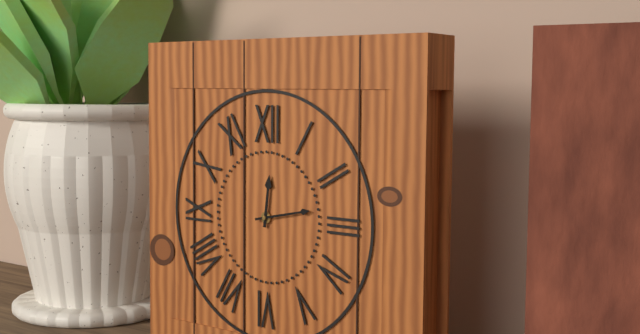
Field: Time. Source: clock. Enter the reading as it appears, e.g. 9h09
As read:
12h13
